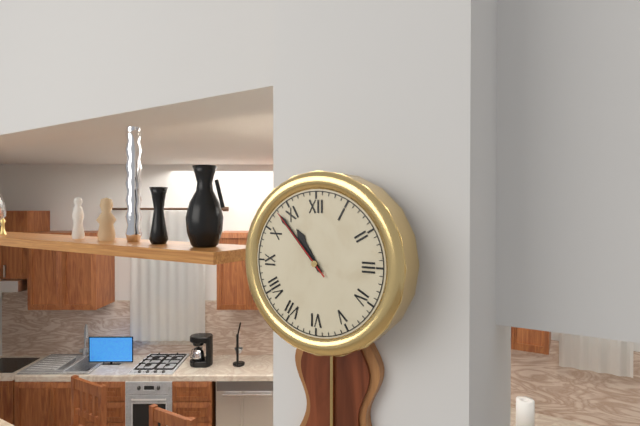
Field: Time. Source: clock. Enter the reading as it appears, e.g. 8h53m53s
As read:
10h53m53s
